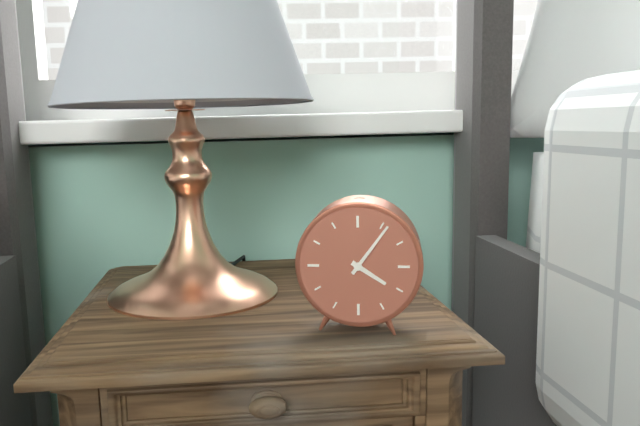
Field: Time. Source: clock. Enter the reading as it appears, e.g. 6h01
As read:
4h06
